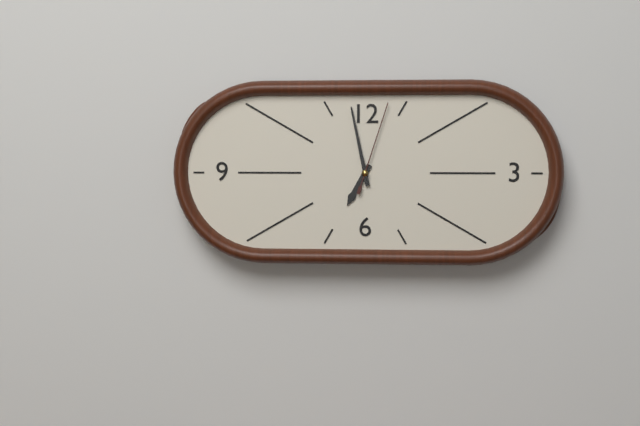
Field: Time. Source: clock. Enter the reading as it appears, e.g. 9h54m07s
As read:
6h58m03s
